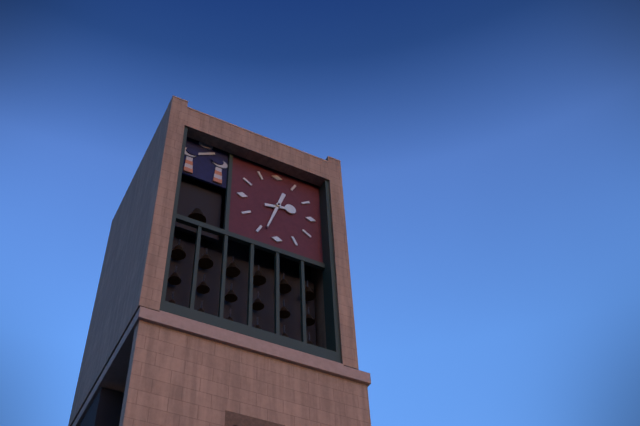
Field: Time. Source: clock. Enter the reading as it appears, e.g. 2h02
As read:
2h33
